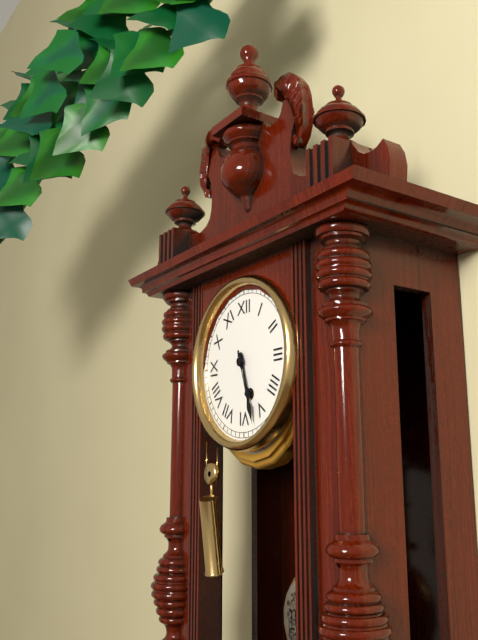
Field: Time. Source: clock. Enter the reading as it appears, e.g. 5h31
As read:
5h27
